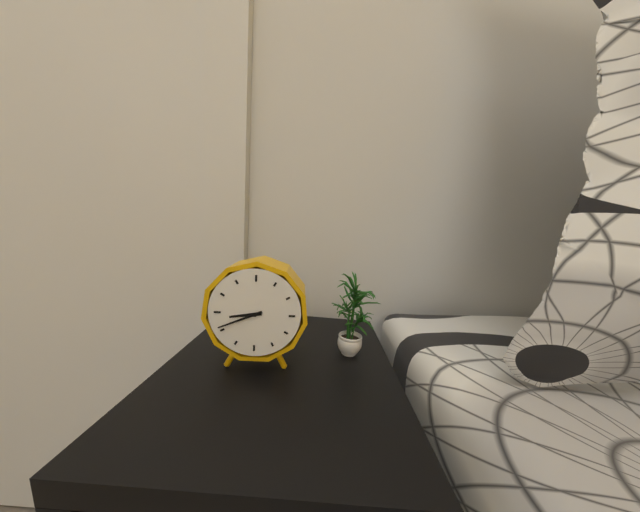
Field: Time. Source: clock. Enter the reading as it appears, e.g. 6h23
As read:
8h41
